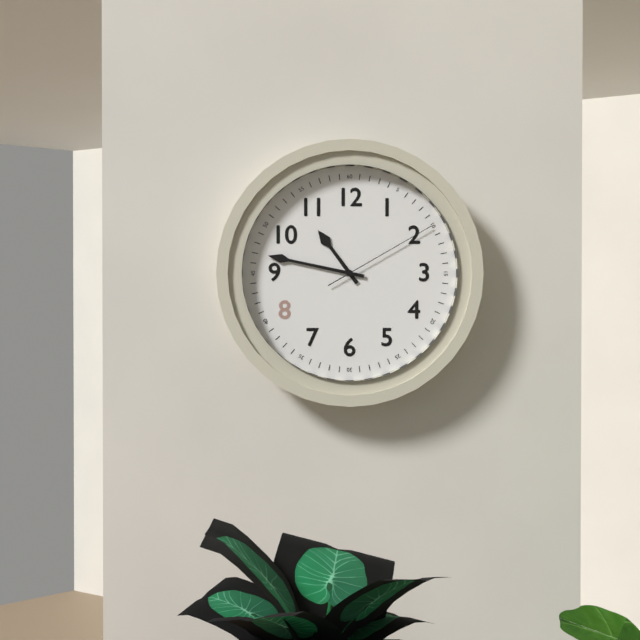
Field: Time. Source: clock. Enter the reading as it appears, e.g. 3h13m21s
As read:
10h47m10s
